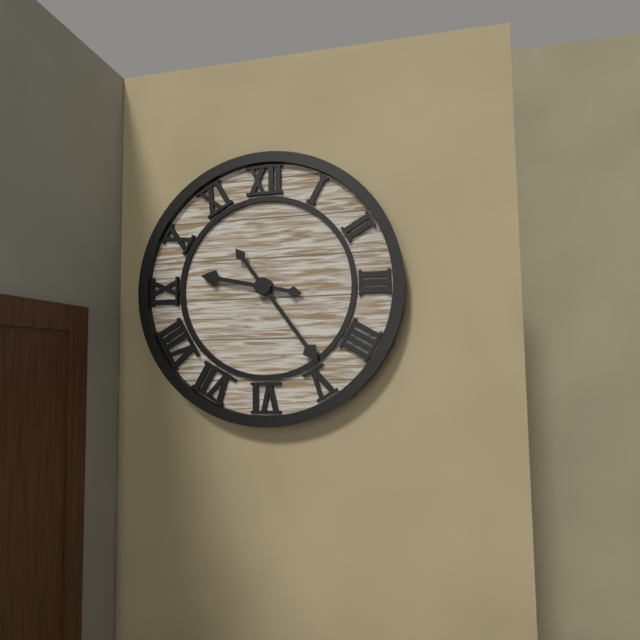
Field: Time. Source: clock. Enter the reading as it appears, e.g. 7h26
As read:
9h24
